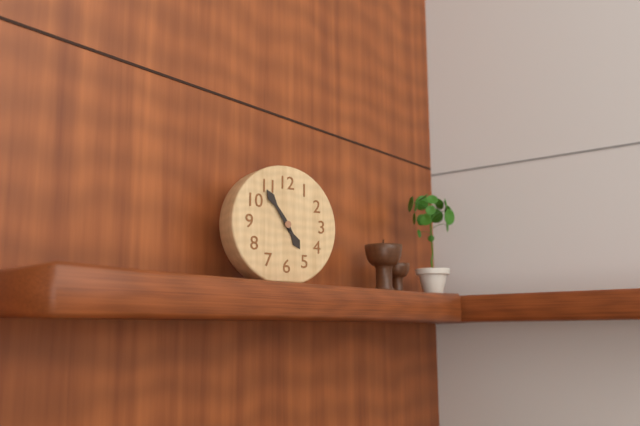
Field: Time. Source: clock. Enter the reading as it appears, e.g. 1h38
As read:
4h54
